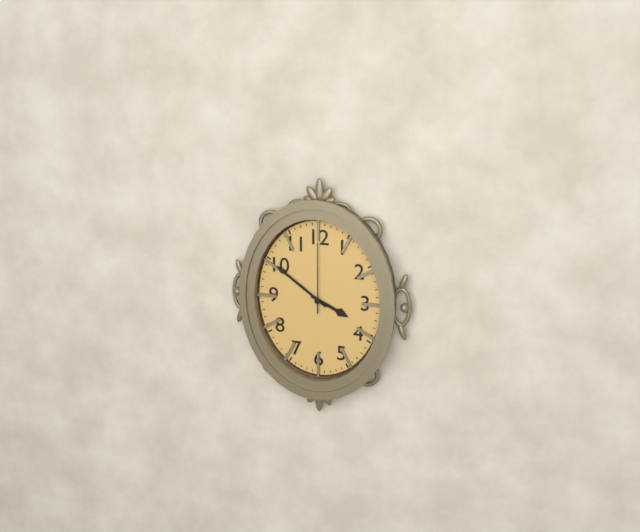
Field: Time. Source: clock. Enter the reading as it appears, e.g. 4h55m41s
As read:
3h51m00s
